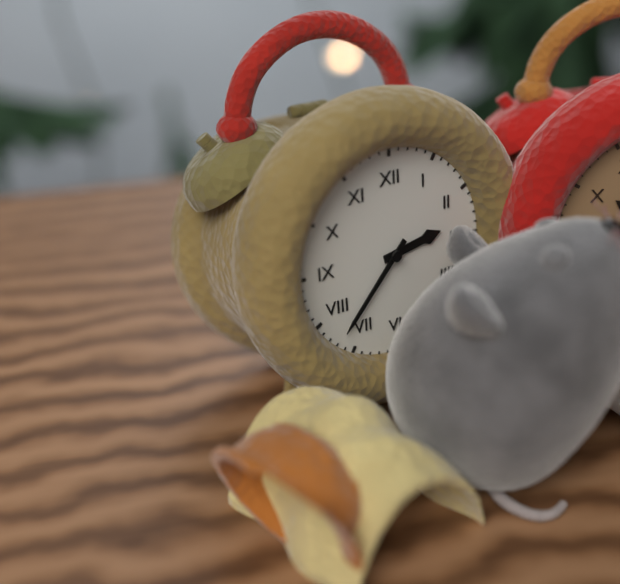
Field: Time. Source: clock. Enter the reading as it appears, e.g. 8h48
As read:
2h37
